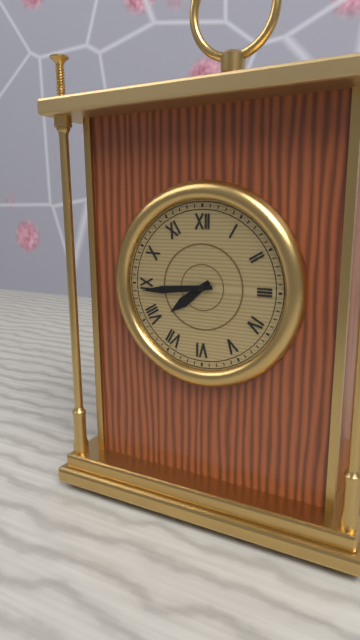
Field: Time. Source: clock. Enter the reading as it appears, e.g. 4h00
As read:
7h44
